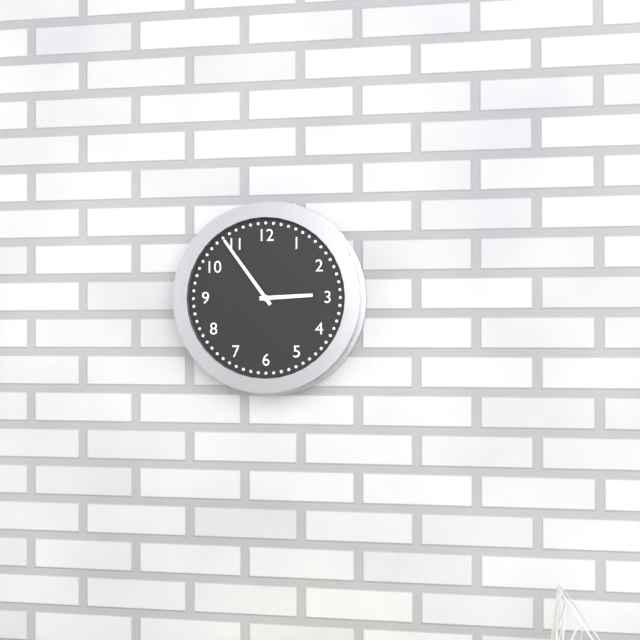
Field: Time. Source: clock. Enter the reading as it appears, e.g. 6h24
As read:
2h54
